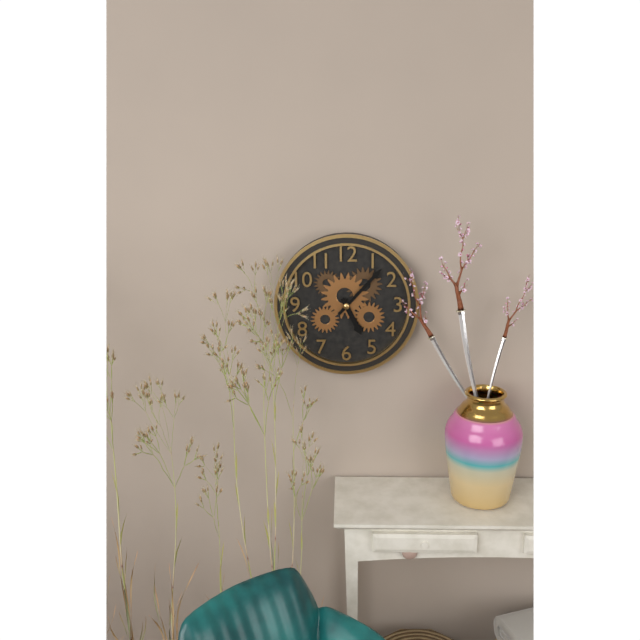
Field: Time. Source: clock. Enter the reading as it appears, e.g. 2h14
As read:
5h07
